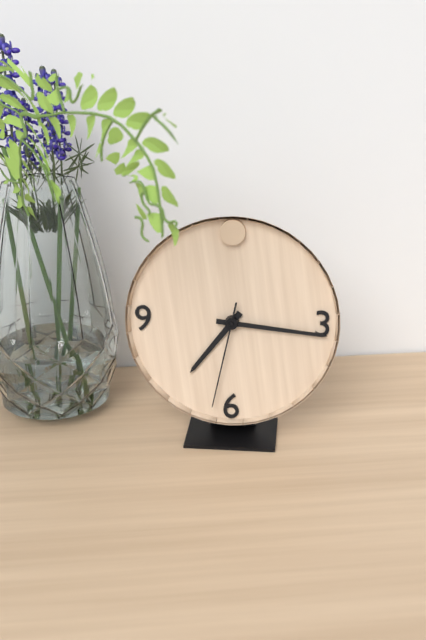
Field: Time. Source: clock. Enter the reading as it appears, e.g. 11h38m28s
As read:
7h16m32s
